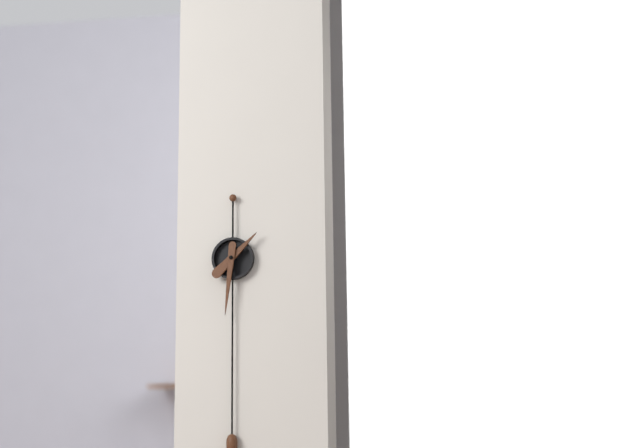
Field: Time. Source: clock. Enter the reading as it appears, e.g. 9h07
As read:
1h31
